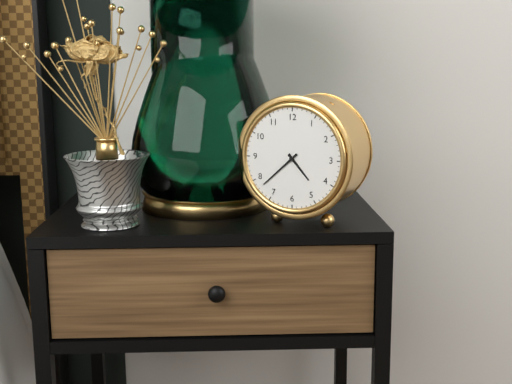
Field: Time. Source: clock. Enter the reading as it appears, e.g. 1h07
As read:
4h38
